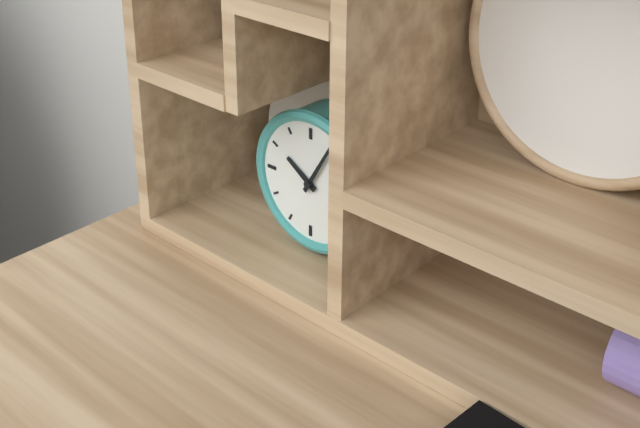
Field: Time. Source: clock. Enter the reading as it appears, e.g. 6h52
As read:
10h05
